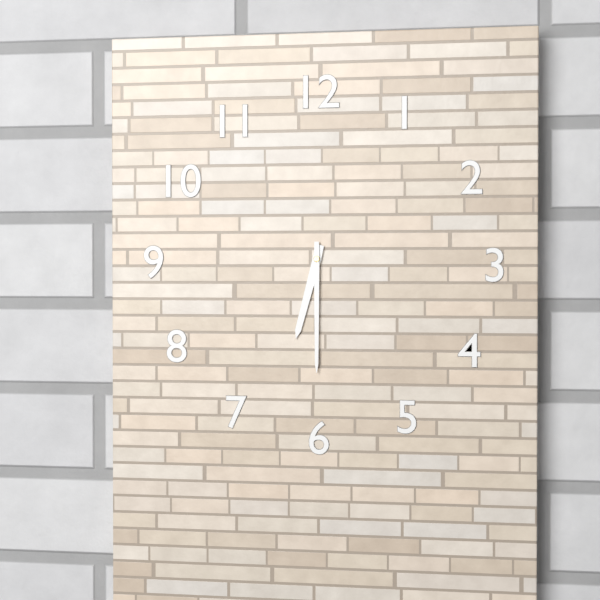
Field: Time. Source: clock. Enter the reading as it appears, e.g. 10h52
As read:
6h30
